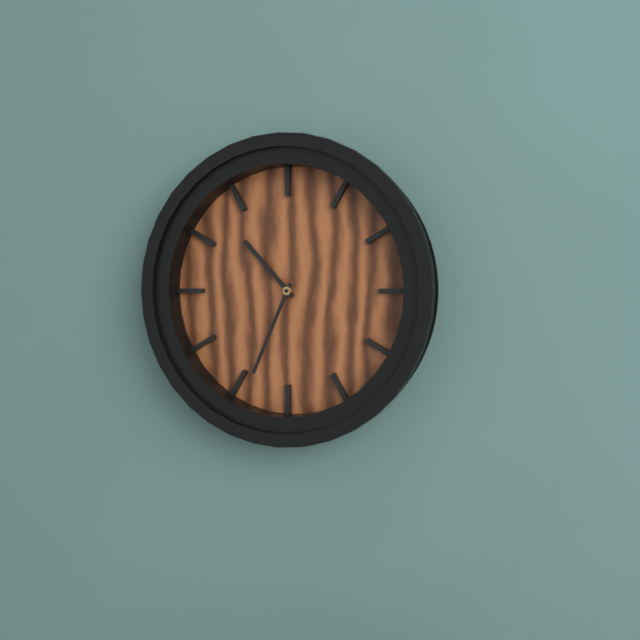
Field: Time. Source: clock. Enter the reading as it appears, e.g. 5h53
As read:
10h34
